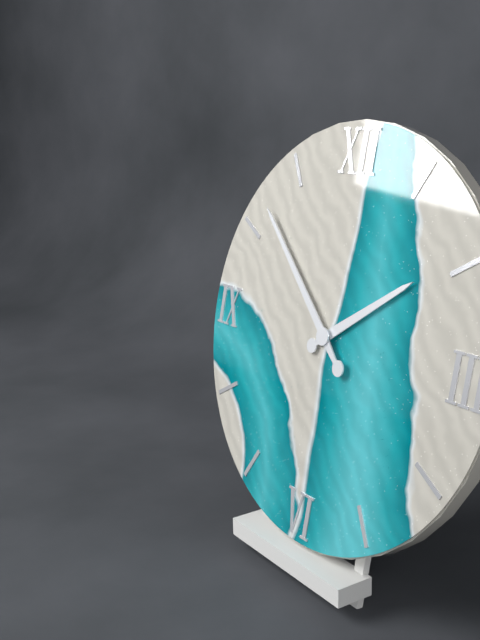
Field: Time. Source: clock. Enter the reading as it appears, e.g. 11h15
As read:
1h52
